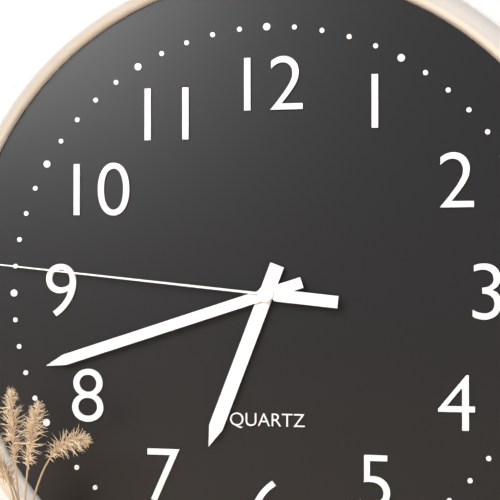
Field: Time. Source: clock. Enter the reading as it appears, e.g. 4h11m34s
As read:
6h42m46s
